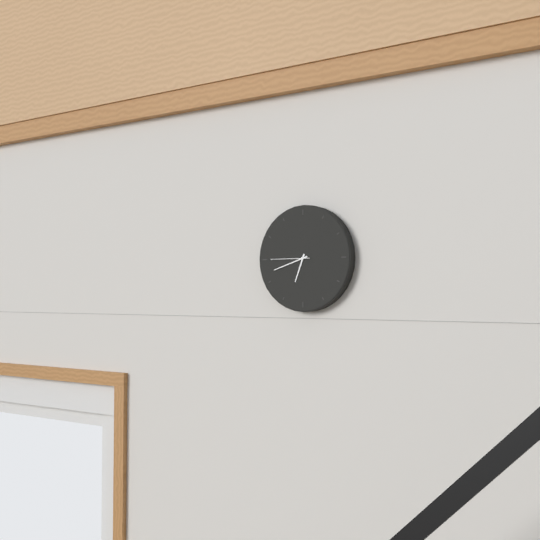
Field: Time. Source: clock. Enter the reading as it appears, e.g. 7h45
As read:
6h42
